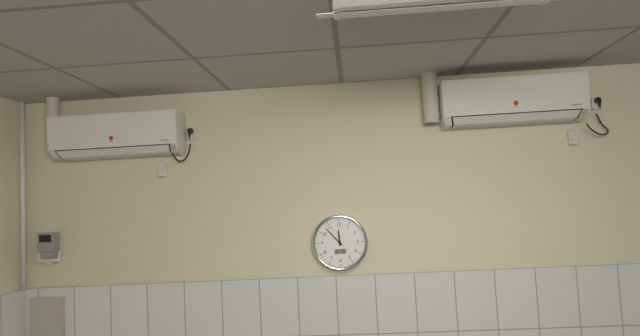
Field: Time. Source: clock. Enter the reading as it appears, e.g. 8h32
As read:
11h53
